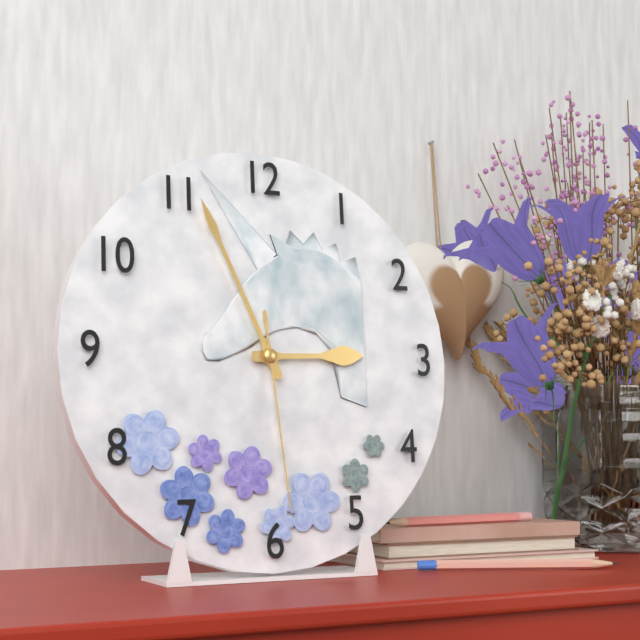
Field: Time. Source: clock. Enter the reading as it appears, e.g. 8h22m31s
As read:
2h56m29s
